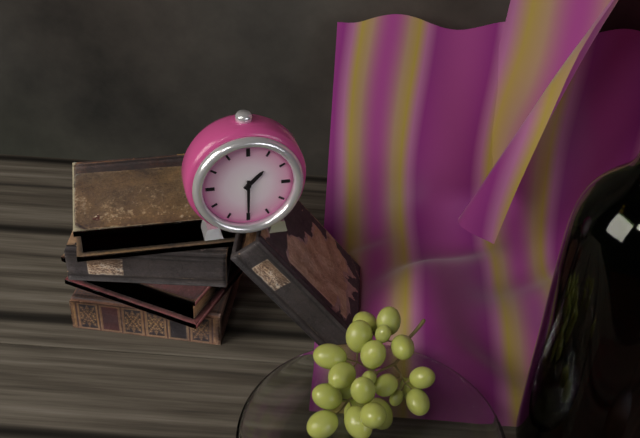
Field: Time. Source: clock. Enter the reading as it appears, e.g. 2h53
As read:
1h30
